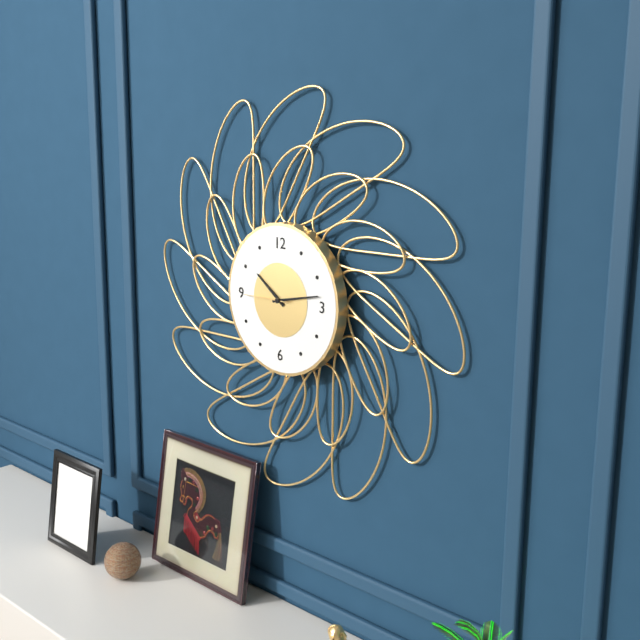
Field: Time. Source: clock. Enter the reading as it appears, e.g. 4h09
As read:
10h13
